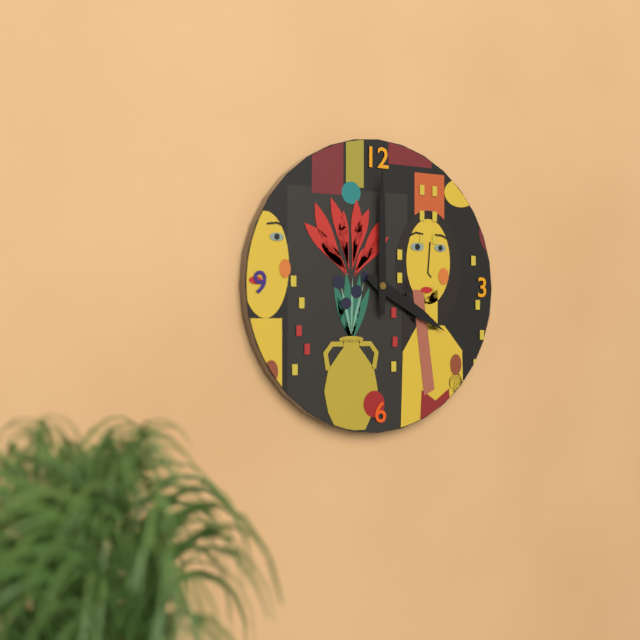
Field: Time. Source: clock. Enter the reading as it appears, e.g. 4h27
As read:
4h00
